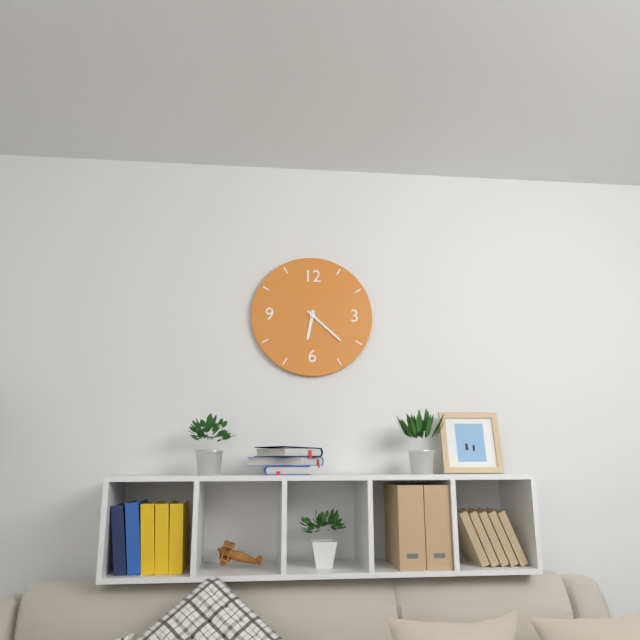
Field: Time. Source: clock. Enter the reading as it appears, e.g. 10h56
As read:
6h22
